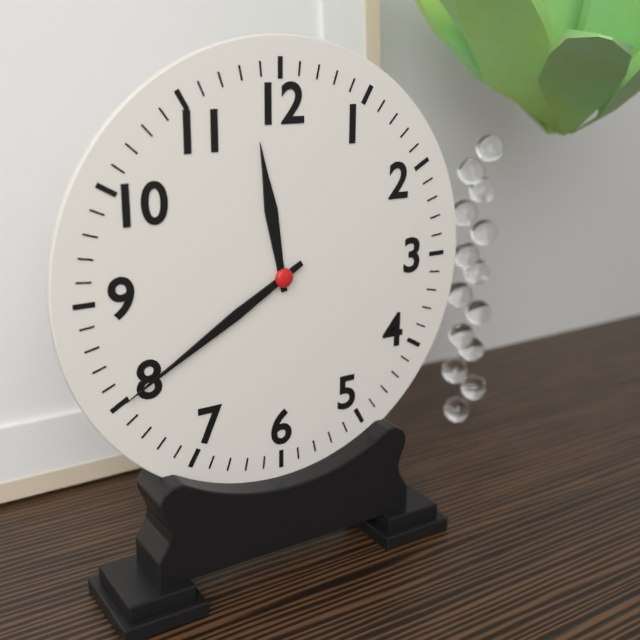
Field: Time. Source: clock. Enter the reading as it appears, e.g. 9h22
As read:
11h40
